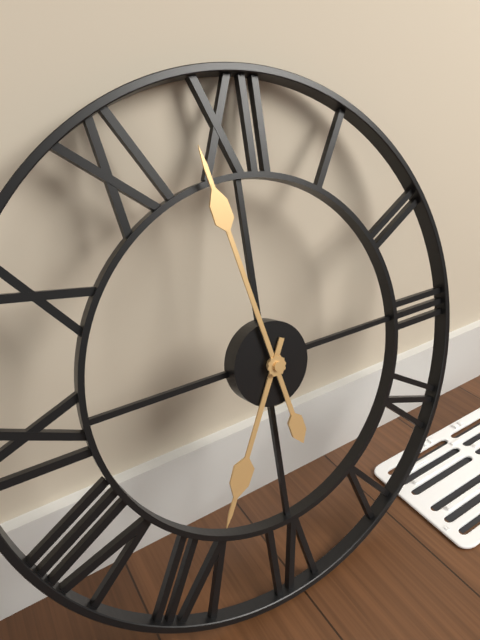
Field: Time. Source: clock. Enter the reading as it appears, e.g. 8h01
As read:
6h58
